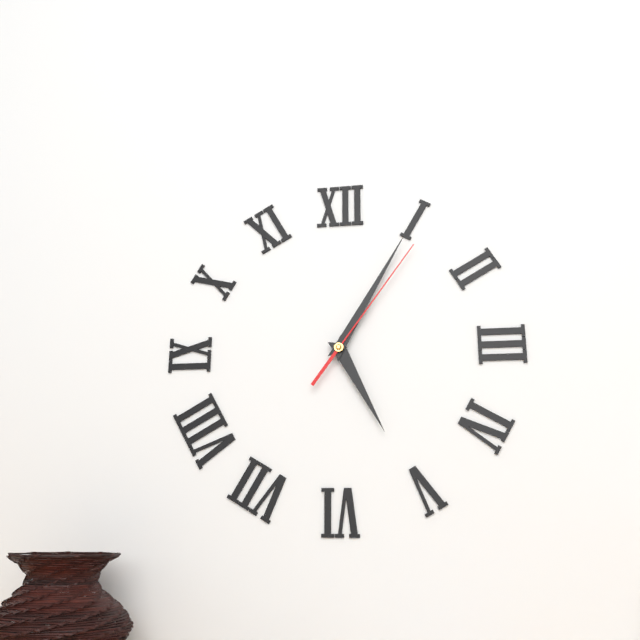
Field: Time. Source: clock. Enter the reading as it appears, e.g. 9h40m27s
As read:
5h05m06s
